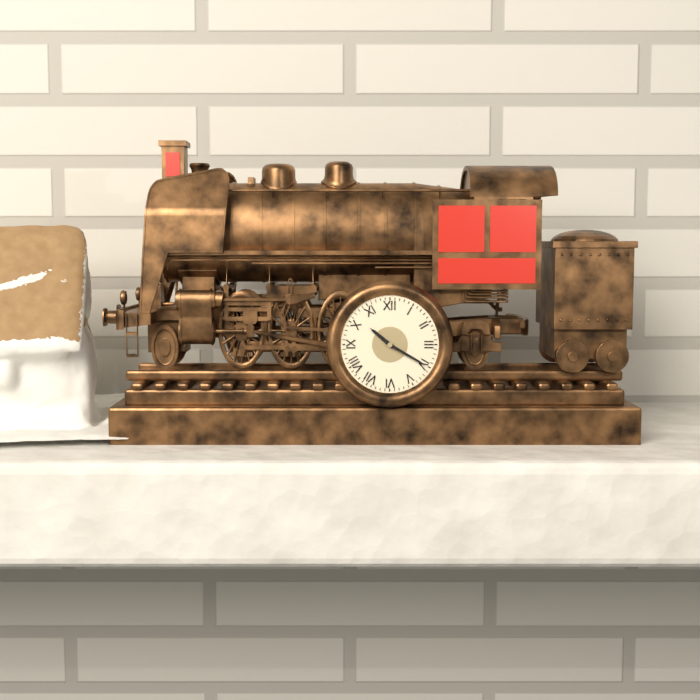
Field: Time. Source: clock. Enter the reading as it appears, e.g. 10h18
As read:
10h20
